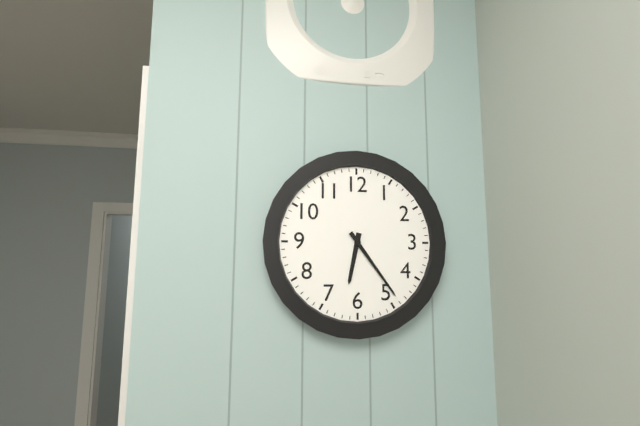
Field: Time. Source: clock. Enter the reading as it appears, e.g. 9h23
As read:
6h24
